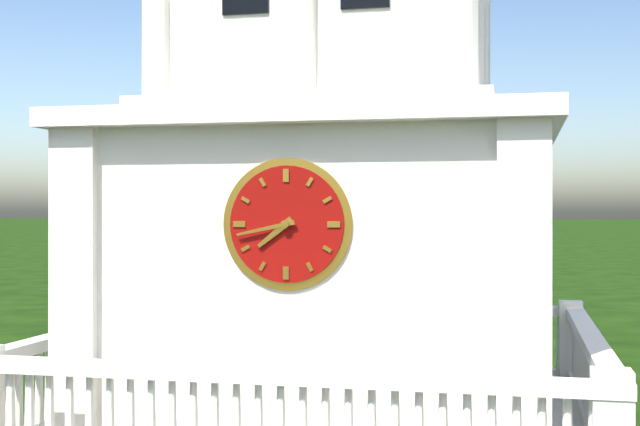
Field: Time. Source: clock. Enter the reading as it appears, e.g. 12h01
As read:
7h43
